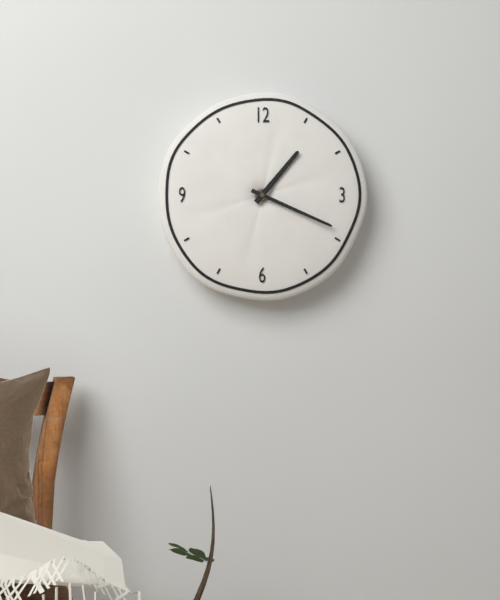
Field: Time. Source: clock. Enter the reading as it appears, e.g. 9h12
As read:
1h19
